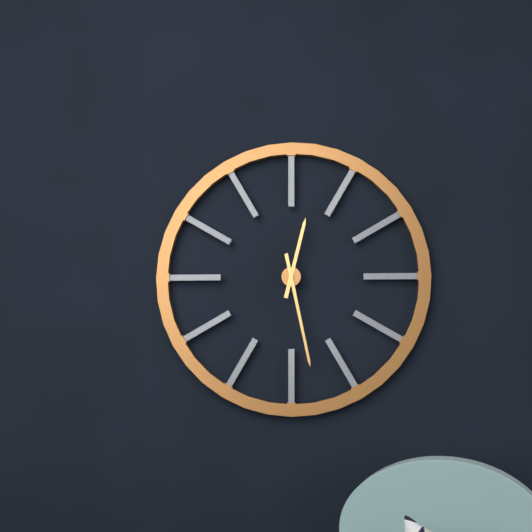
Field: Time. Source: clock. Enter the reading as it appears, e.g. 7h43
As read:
12h28
